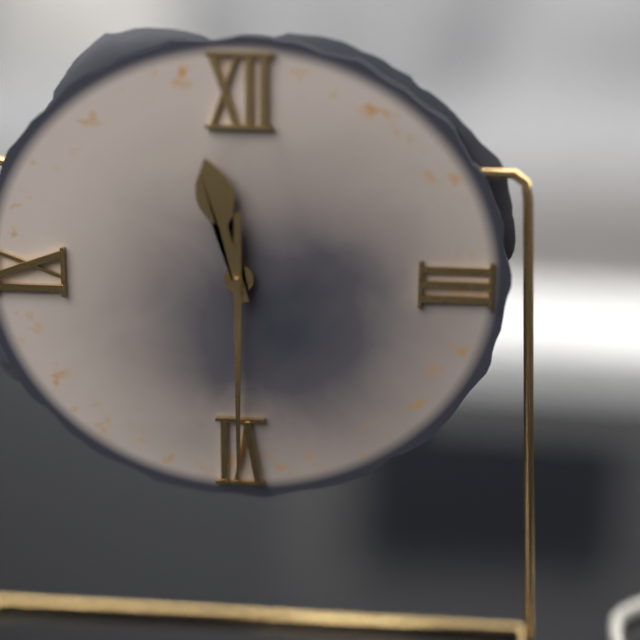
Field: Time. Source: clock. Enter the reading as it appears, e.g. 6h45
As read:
11h30
